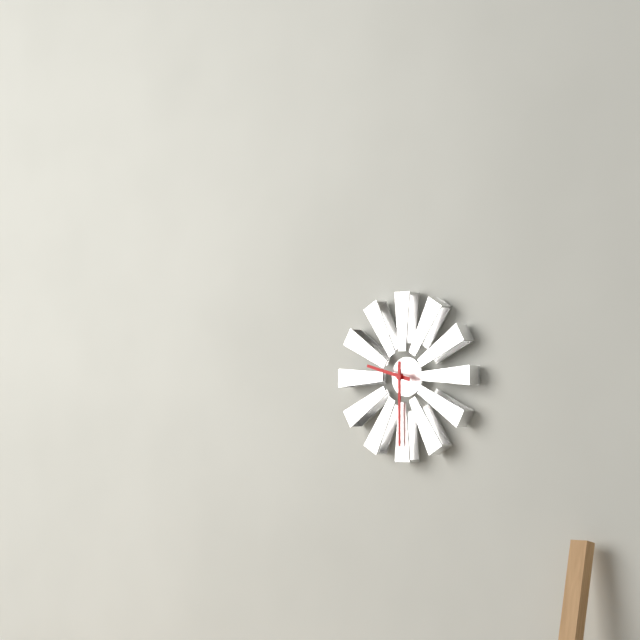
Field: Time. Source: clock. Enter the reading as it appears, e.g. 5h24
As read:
9h30
